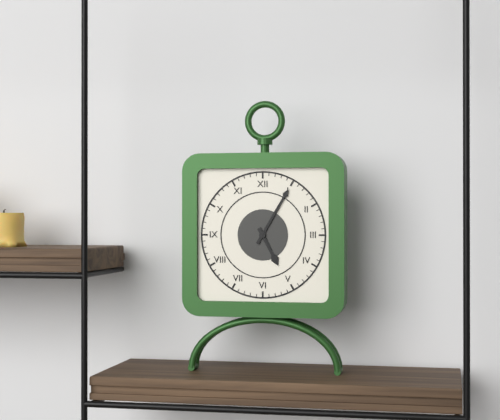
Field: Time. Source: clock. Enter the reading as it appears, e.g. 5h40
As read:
5h05
